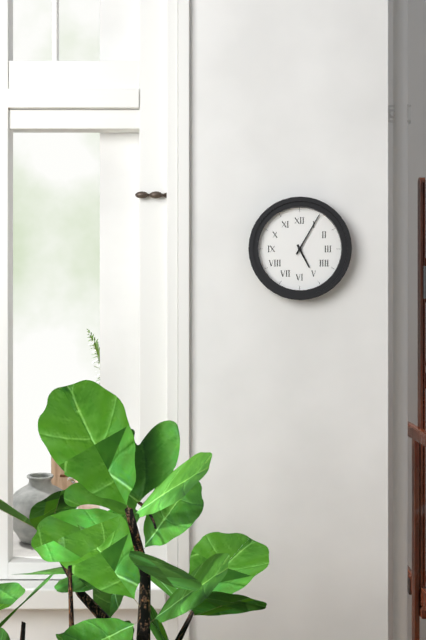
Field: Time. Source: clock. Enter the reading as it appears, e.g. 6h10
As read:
5h05
